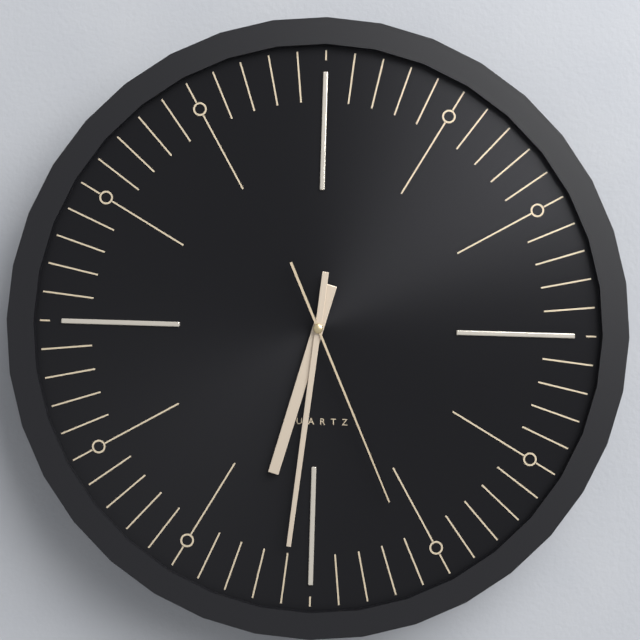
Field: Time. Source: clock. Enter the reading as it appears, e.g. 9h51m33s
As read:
6h31m26s
